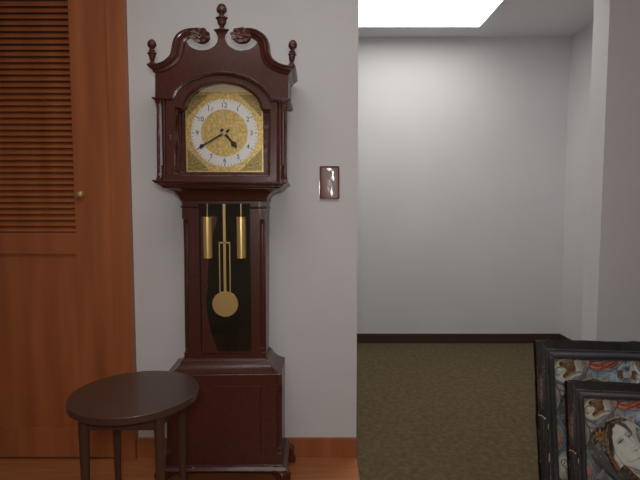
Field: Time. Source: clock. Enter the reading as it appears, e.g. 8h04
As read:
4h40
